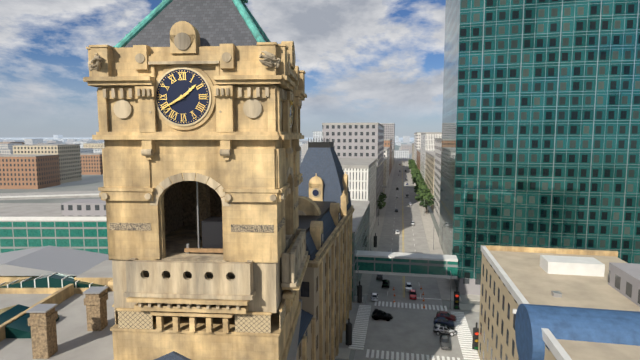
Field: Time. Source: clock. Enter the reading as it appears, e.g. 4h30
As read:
1h40
